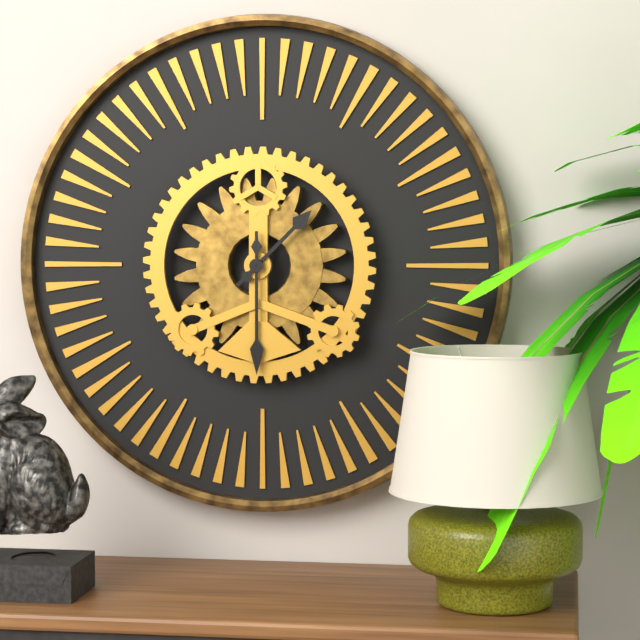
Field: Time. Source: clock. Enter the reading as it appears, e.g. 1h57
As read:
1h30
